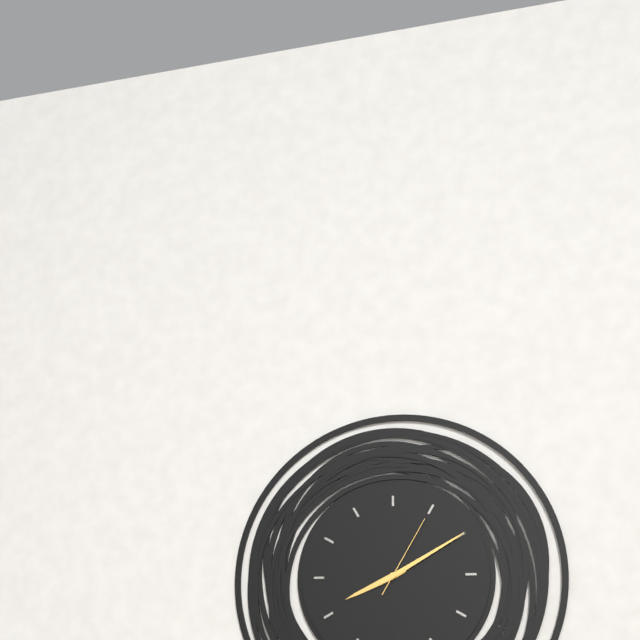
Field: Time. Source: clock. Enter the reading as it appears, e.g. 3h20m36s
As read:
8h10m05s
